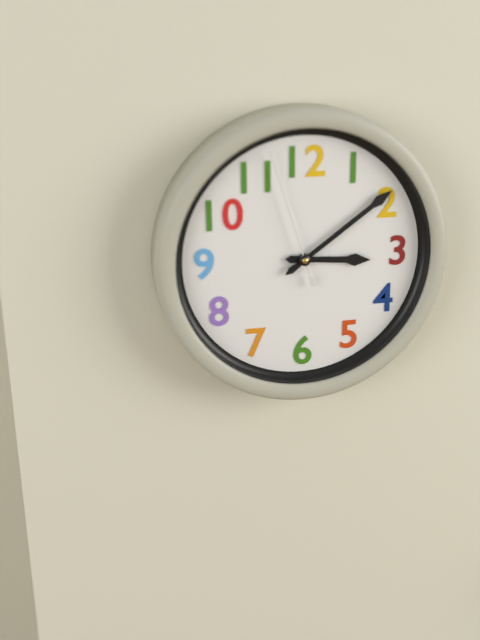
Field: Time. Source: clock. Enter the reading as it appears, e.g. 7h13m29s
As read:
3h09m57s
